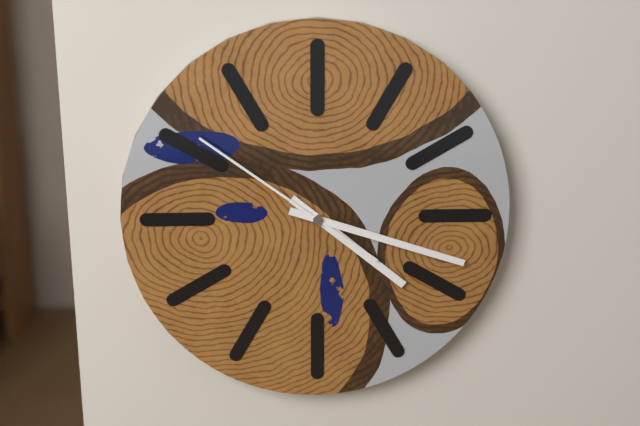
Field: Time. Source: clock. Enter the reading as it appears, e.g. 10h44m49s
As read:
4h18m51s
